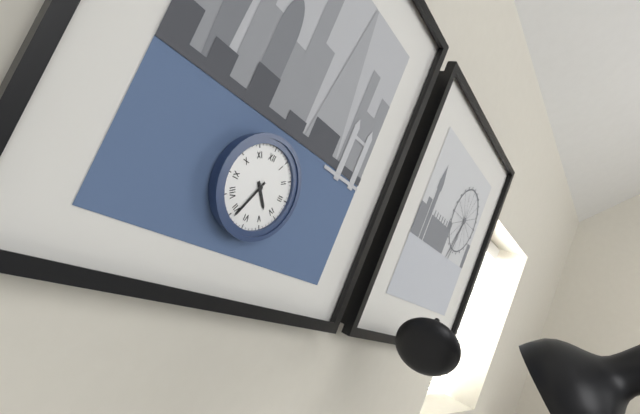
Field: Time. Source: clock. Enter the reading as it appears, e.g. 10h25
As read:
4h34
